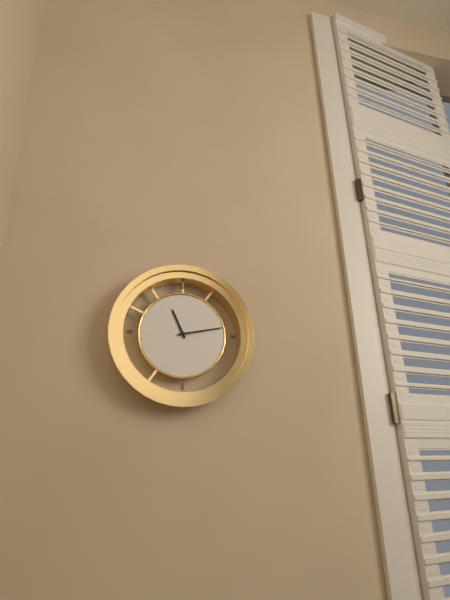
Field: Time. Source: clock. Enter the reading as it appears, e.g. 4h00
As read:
11h13
